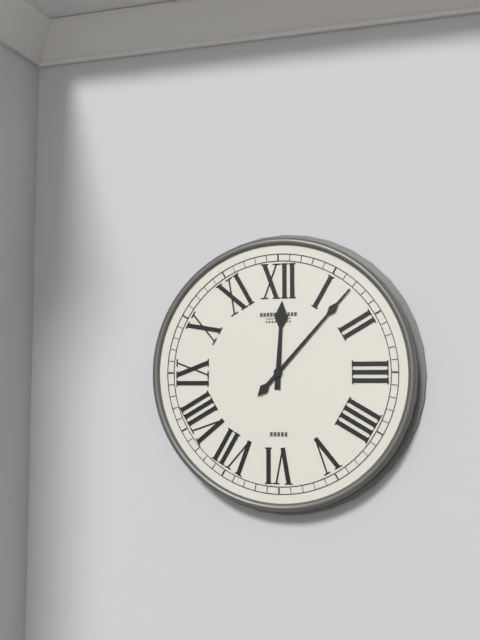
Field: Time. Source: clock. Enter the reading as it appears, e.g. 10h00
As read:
12h07
